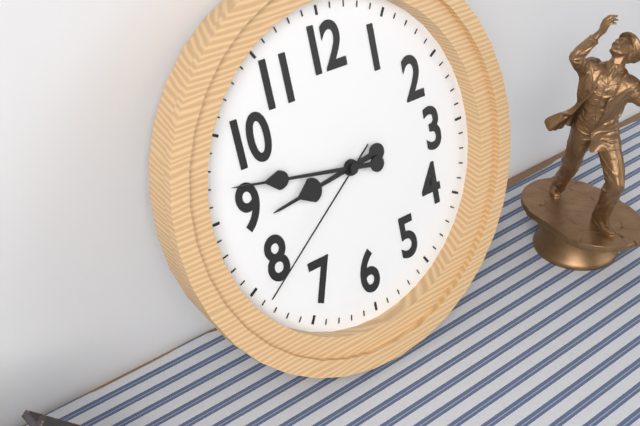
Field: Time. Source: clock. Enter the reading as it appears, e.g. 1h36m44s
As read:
8h47m39s
